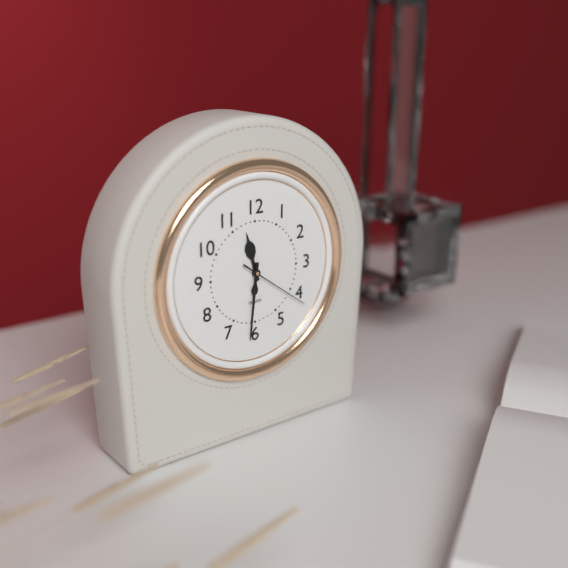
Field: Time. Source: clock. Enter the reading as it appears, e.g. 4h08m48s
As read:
11h31m21s
